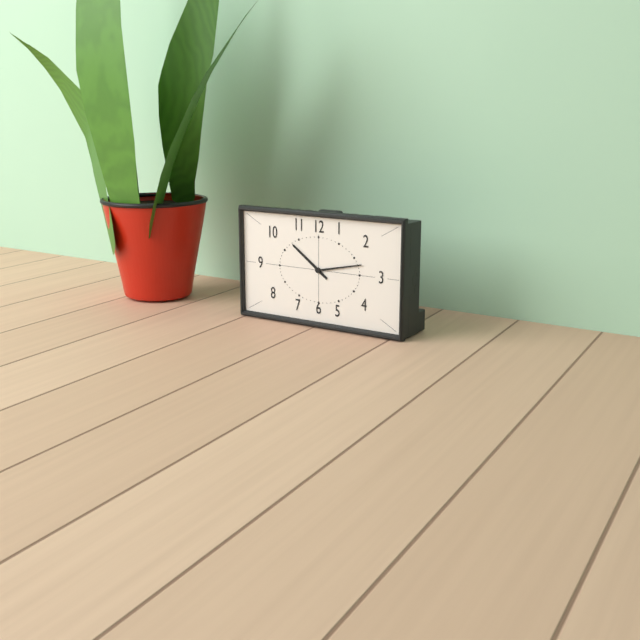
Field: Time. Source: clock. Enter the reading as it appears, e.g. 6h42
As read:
10h13
